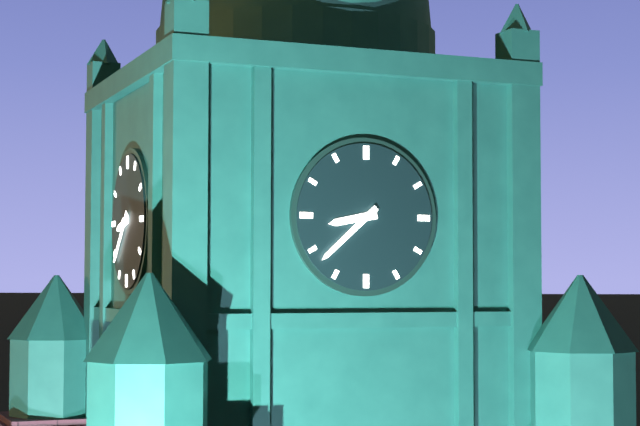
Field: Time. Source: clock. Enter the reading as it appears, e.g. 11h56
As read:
8h38
